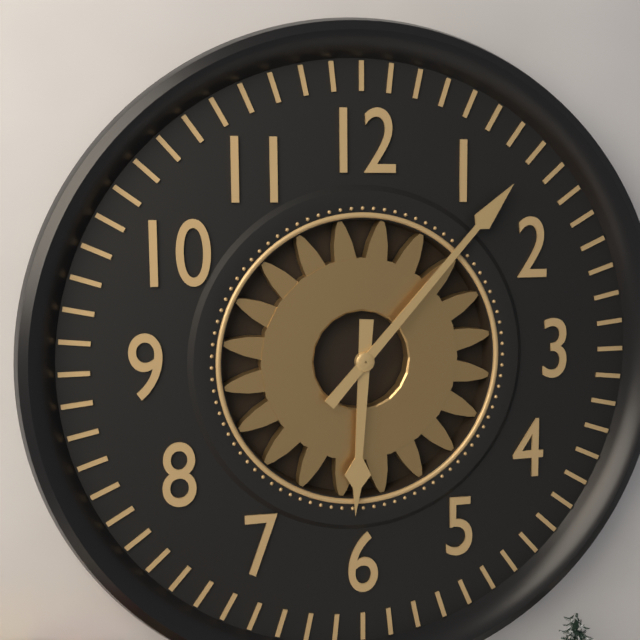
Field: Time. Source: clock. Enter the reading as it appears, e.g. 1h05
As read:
6h07
